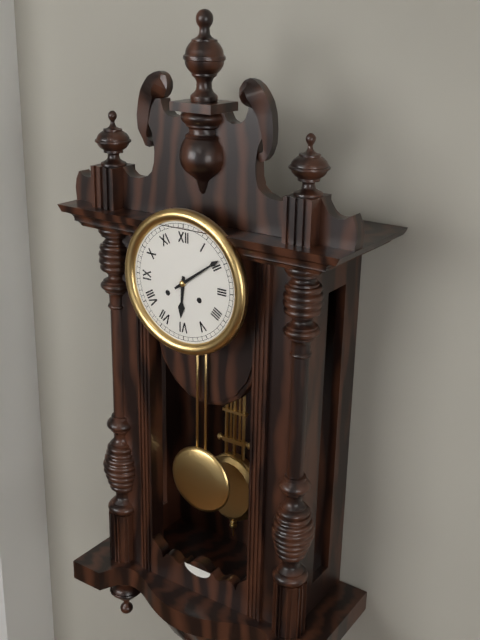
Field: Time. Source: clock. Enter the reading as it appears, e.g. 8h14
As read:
6h09
